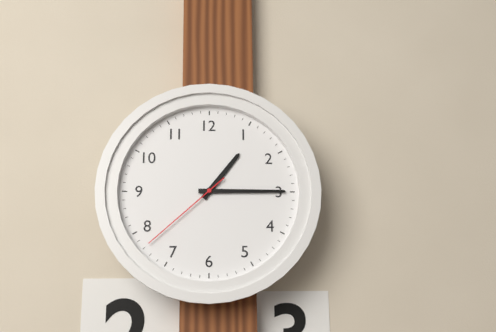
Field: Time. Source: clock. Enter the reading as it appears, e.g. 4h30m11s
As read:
1h15m38s
